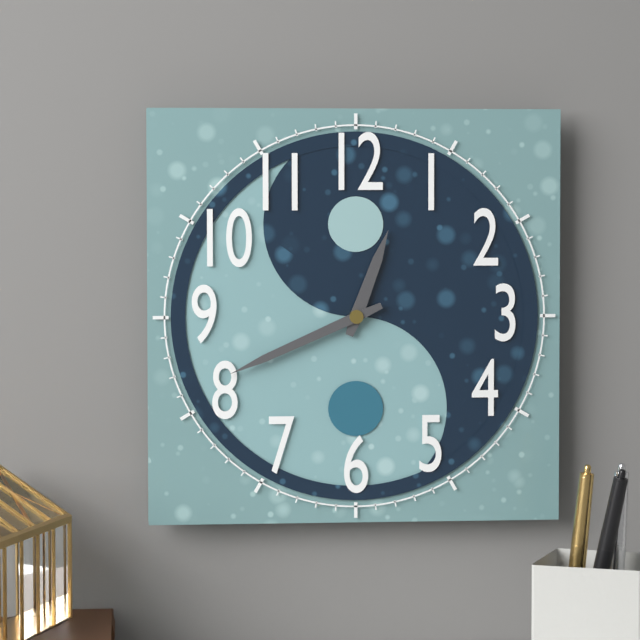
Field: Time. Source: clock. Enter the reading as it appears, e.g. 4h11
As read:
12h41
